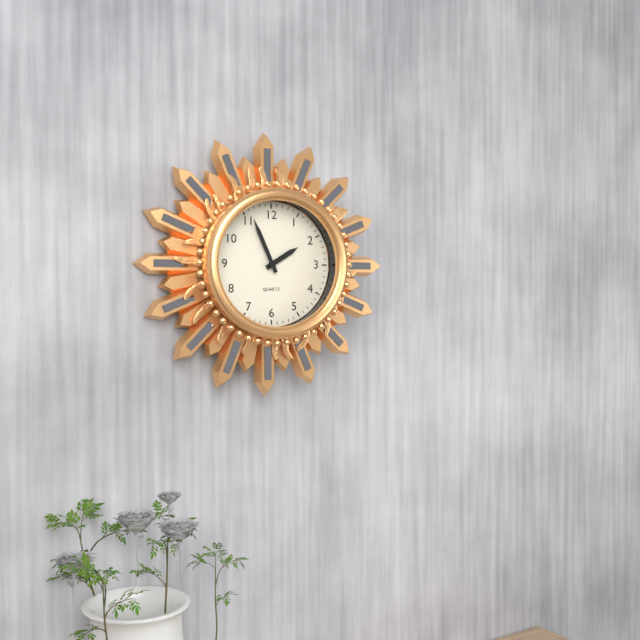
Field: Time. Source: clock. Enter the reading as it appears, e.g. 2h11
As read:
1h56
